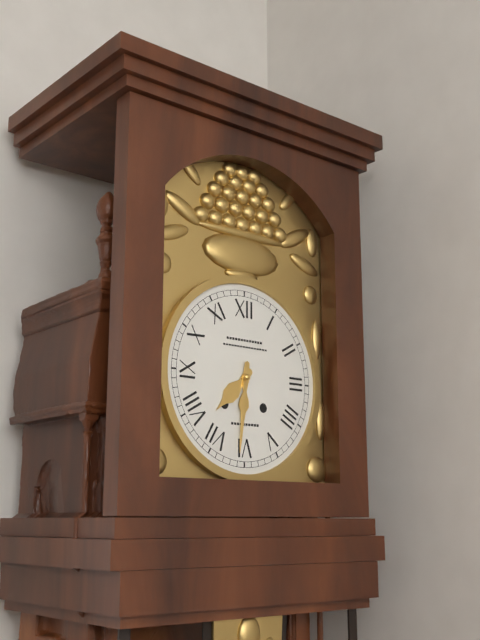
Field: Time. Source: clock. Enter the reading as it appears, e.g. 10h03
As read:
7h31
